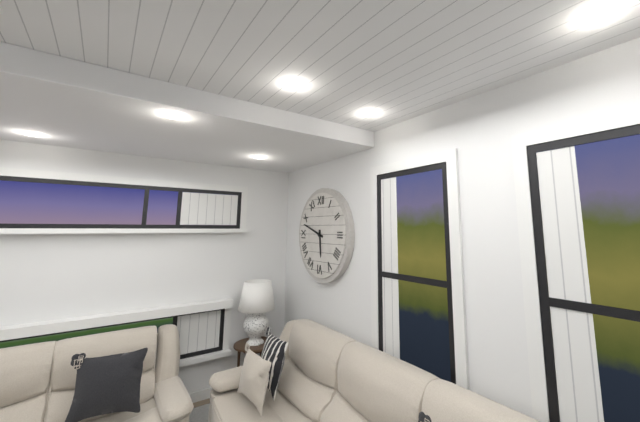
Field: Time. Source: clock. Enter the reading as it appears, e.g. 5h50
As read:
5h48
